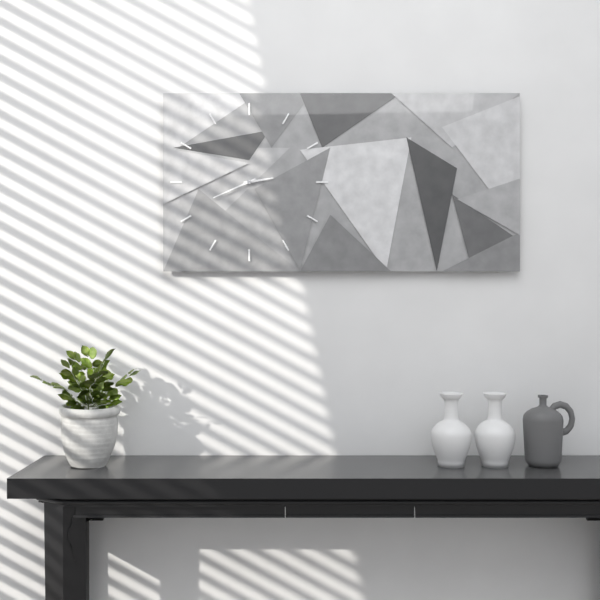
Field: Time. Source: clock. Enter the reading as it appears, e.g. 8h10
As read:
2h41
